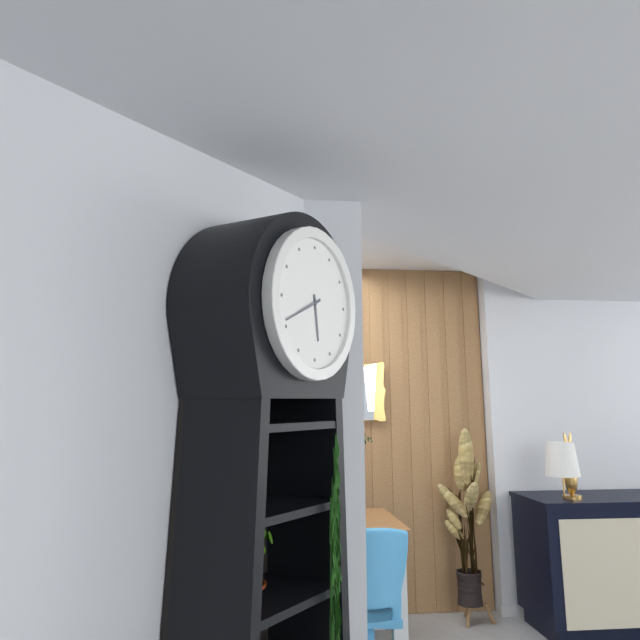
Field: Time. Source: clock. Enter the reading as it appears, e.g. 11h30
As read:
5h41
